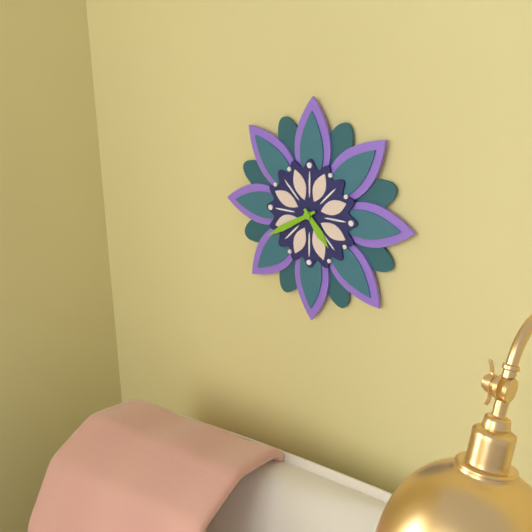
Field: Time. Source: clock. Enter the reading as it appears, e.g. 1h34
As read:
4h40
